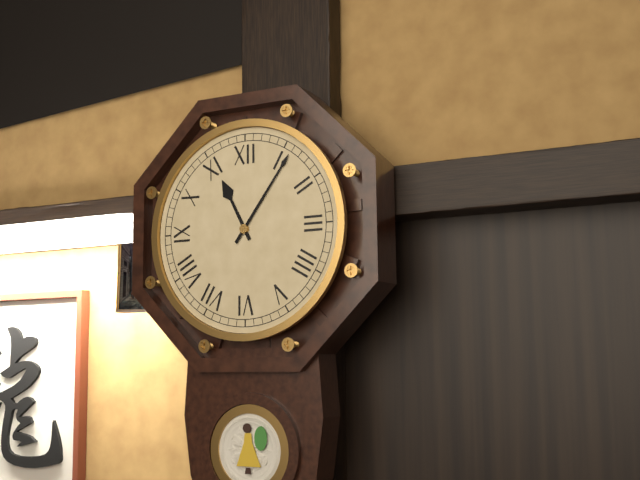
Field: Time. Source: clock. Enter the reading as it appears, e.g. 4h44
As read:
11h06
